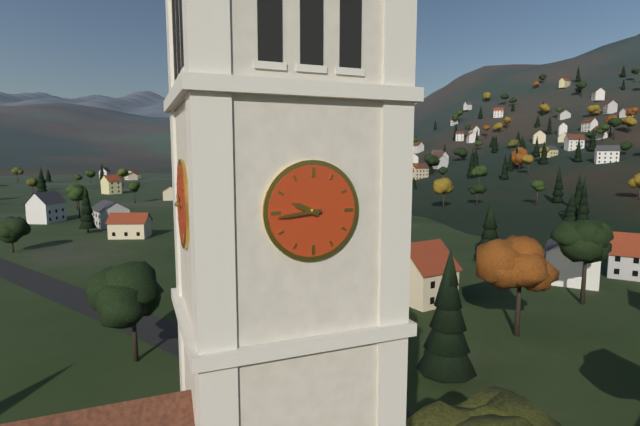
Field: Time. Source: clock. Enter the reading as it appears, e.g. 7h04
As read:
9h44
